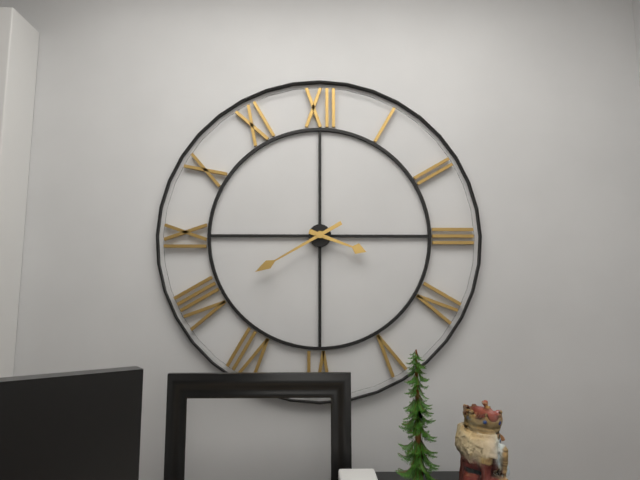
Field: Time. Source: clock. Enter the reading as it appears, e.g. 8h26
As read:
3h40
